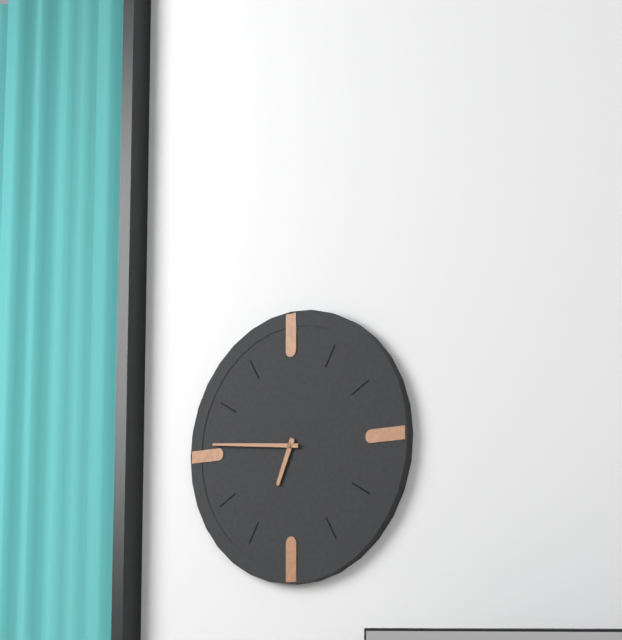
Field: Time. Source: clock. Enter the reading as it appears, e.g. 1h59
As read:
6h46
